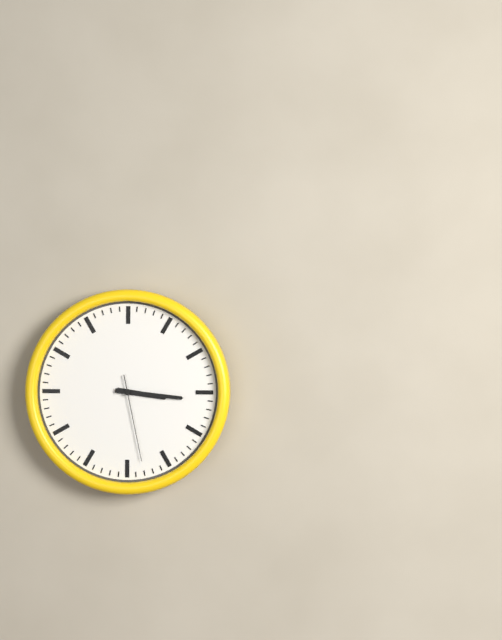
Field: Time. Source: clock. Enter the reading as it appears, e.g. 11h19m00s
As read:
3h16m28s
